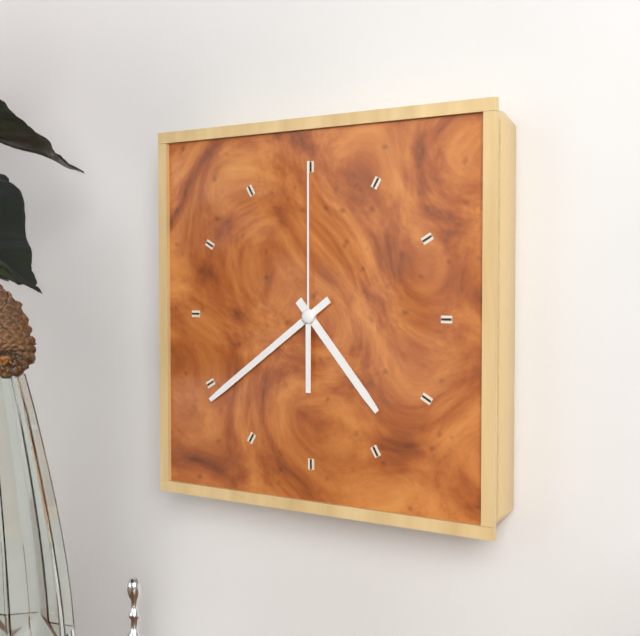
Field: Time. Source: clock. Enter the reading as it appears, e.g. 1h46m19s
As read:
4h39m00s
